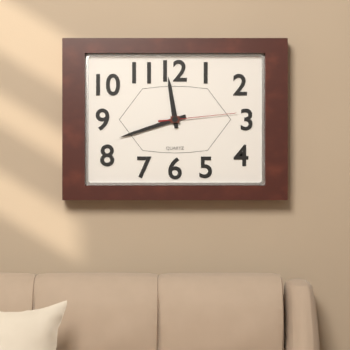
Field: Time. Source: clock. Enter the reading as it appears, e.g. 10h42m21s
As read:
11h42m14s
